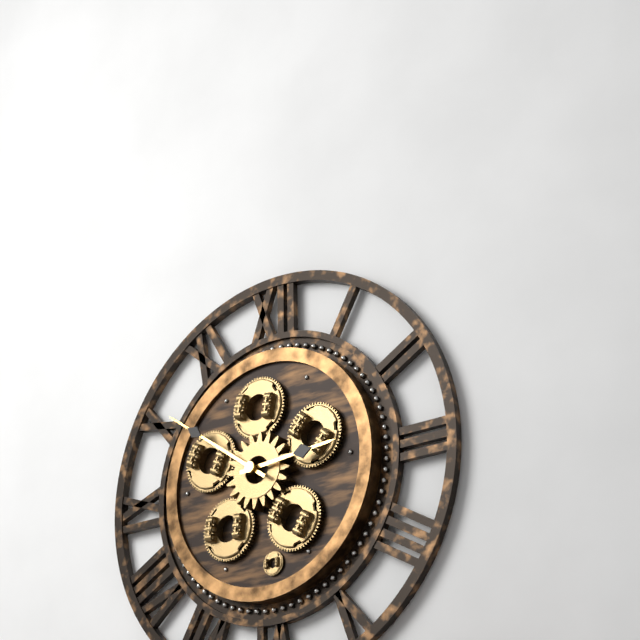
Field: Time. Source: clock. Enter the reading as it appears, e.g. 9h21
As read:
2h51
